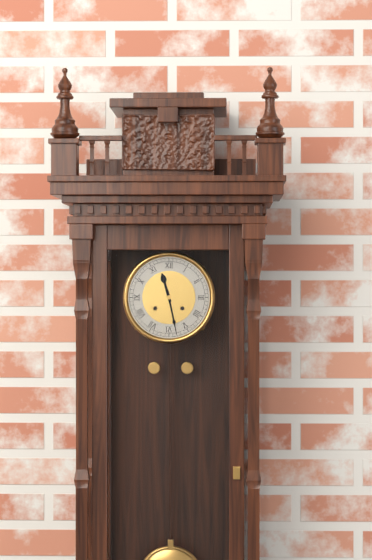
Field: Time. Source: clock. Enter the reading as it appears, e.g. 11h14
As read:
11h28
